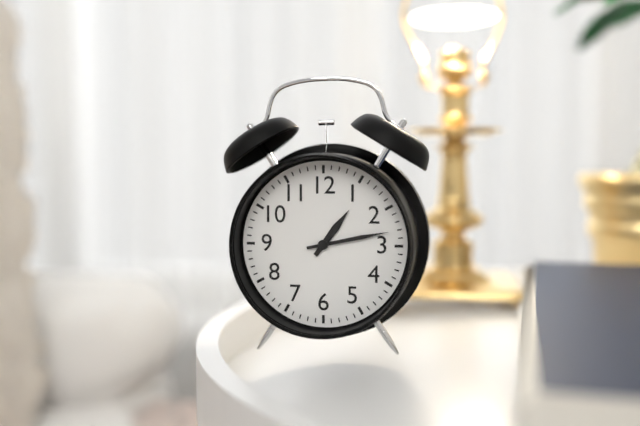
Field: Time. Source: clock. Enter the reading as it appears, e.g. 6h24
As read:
1h13
